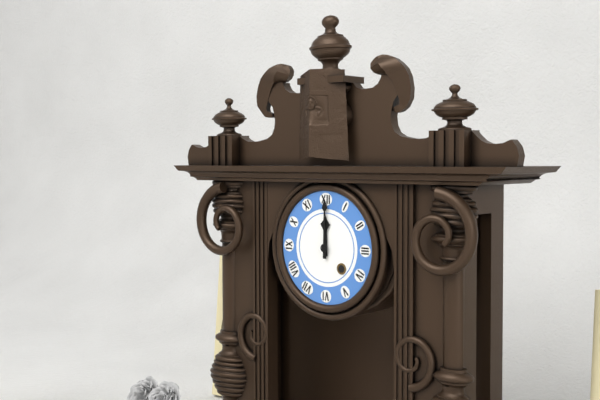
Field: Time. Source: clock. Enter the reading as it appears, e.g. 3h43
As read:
12h00
